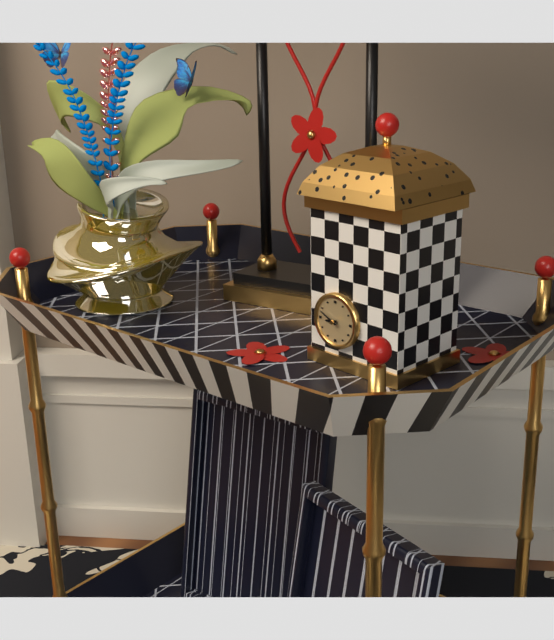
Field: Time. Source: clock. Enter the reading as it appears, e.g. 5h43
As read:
8h49
